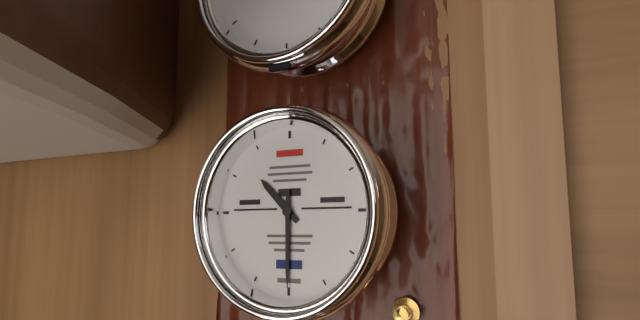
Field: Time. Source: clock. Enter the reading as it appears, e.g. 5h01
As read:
10h30
